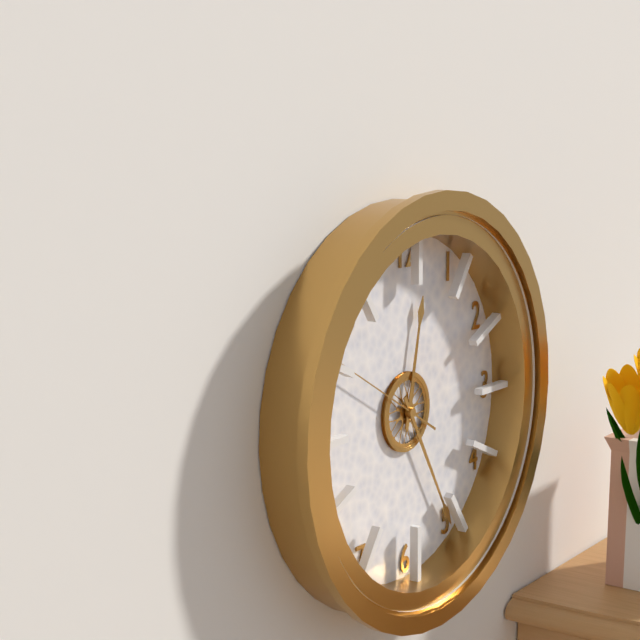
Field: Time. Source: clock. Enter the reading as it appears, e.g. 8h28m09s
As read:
12h25m50s
